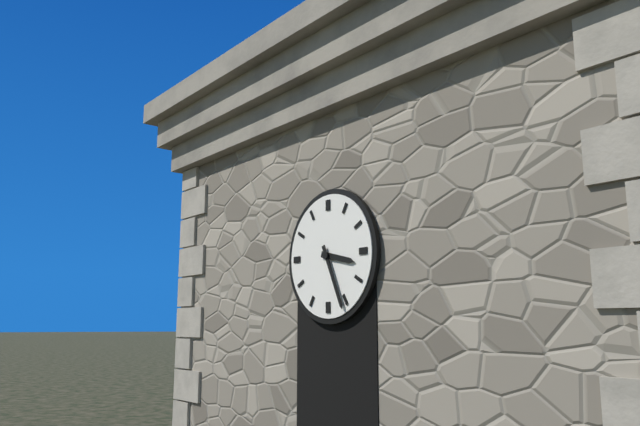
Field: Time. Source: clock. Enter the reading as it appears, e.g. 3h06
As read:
3h26
